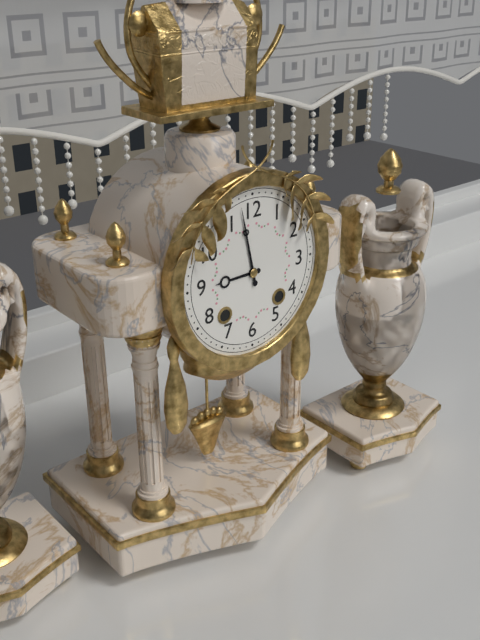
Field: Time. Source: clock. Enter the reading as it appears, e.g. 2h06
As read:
8h58
